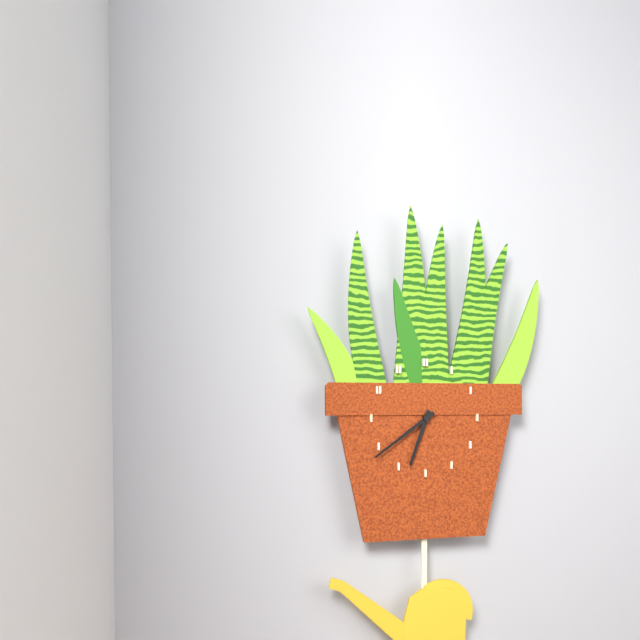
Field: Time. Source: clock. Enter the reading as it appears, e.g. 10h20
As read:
6h39
